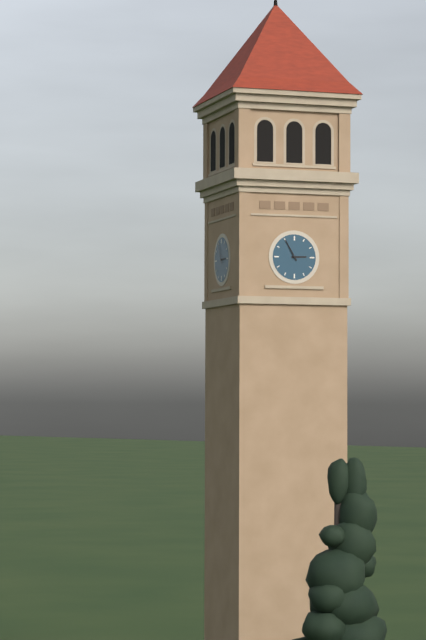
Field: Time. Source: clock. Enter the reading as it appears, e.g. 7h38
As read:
2h55
